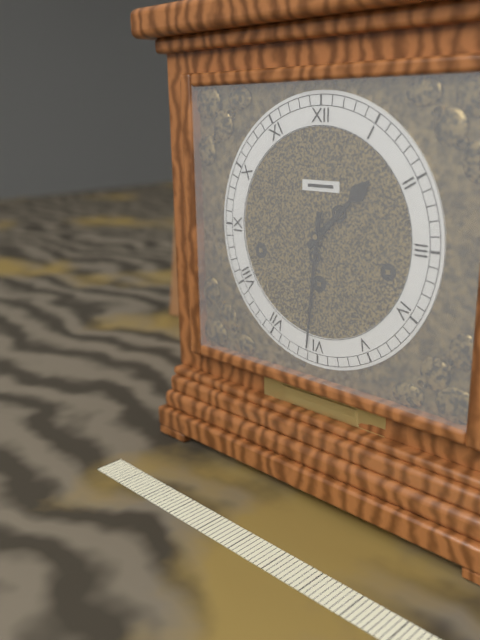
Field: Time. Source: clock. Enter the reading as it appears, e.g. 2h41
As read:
1h31
